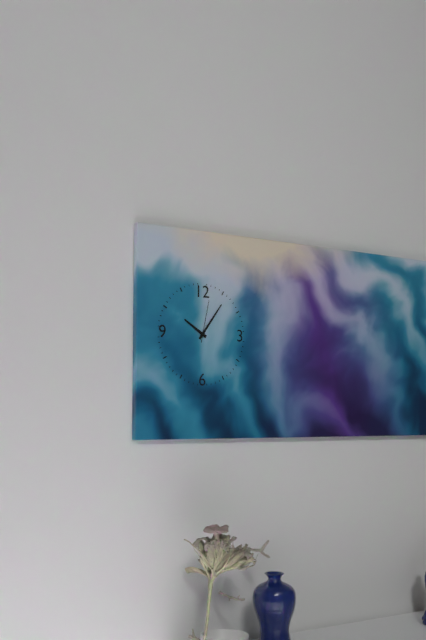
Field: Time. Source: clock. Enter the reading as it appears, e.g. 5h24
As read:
10h06
